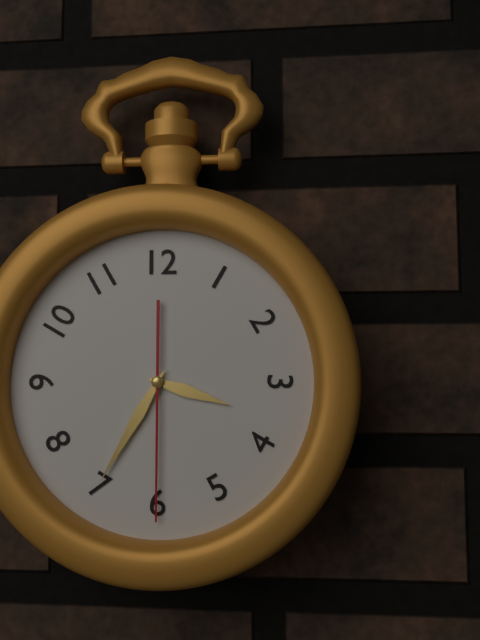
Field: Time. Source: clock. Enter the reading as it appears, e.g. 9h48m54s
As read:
3h35m30s
